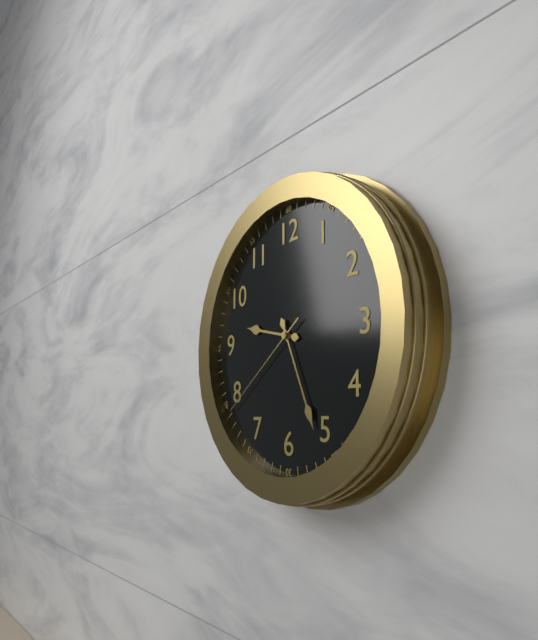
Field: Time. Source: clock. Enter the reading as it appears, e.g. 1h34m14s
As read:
9h26m39s
